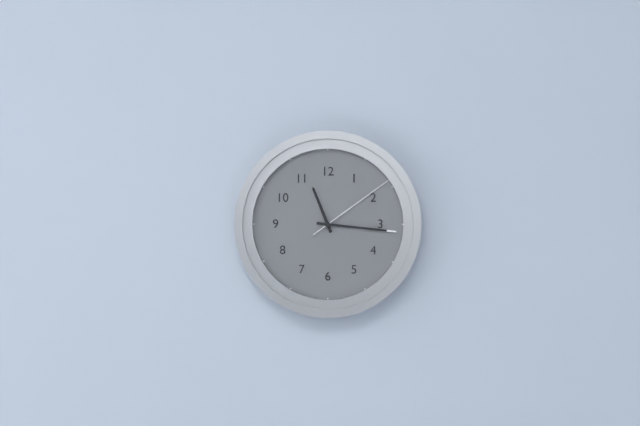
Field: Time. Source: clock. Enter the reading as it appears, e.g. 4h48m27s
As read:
11h16m09s
